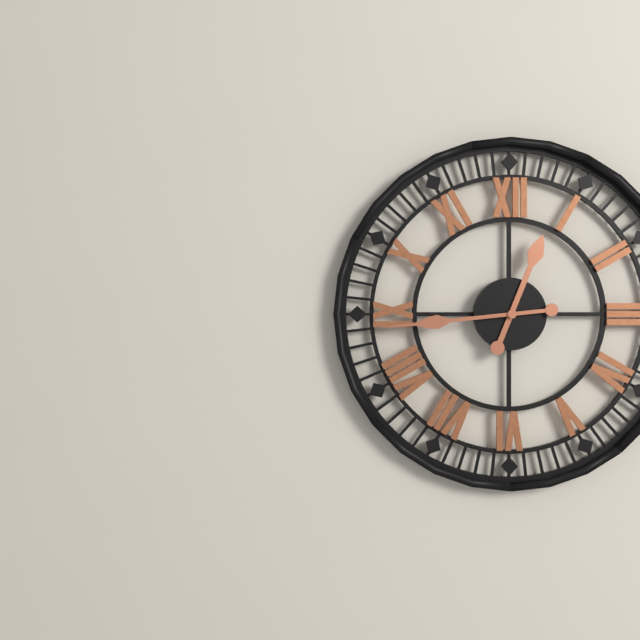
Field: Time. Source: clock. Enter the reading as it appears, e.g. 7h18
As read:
12h44
